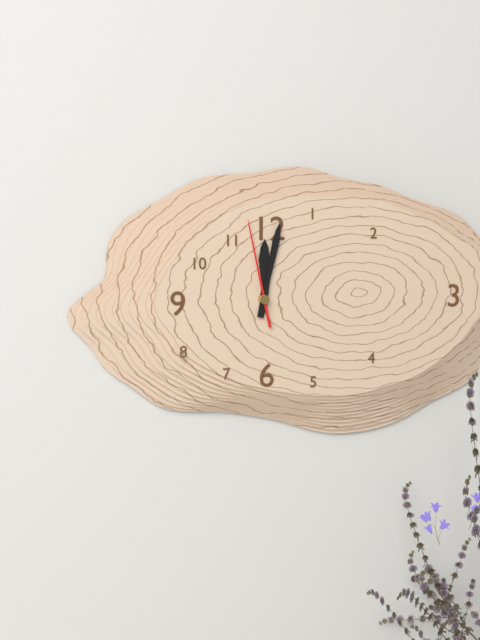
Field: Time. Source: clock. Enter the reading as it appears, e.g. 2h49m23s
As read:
12h02m58s
